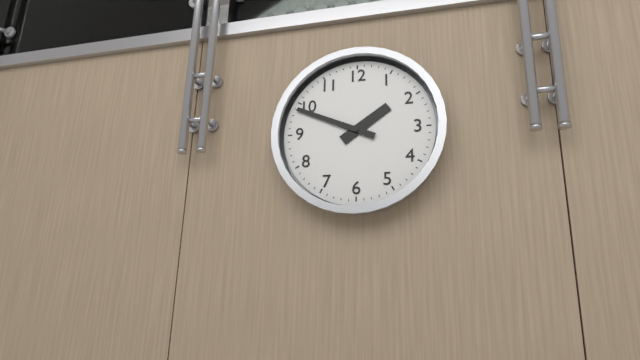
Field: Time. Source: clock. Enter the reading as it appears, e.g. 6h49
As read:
1h49
